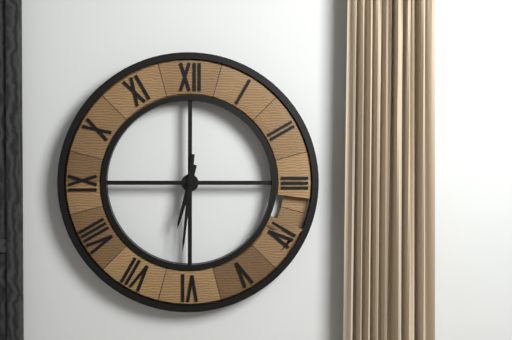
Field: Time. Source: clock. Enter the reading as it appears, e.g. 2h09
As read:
6h31
